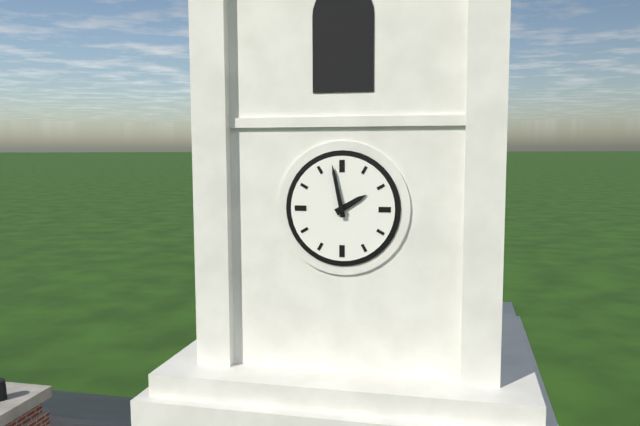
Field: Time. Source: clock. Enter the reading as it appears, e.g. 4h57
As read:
1h58
